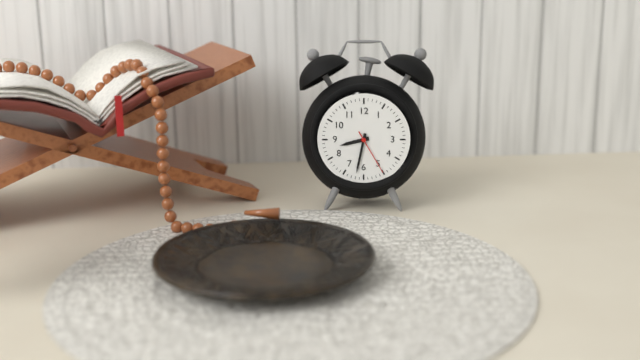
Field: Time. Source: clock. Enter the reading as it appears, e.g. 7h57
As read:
8h32
